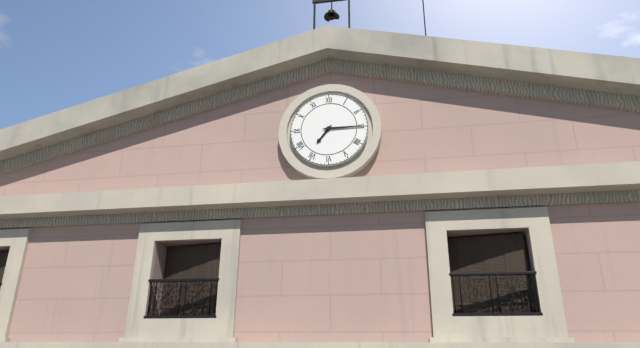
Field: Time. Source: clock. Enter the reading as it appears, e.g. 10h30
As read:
7h15
